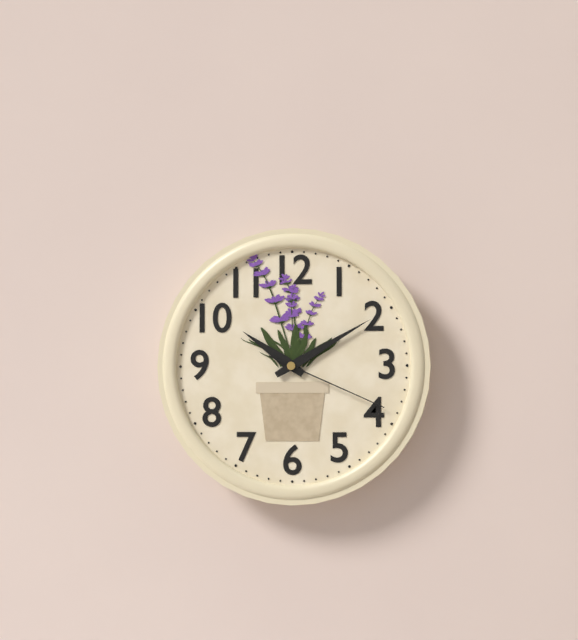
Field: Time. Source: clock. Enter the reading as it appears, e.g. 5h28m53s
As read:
10h10m19s
